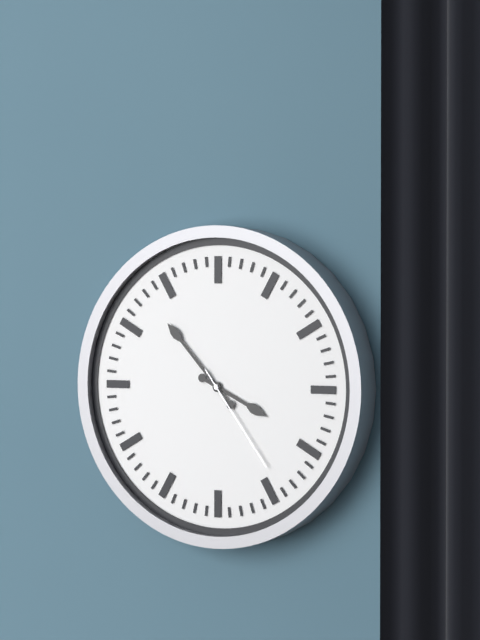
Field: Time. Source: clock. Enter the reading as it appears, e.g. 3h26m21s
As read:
3h53m24s
